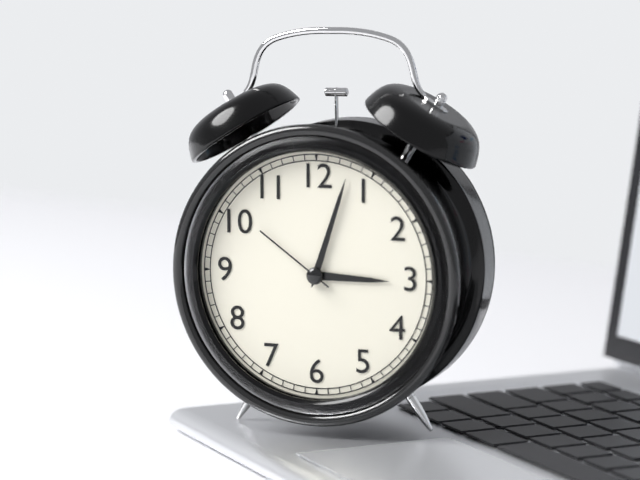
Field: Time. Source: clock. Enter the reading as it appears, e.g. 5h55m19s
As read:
3h03m51s
